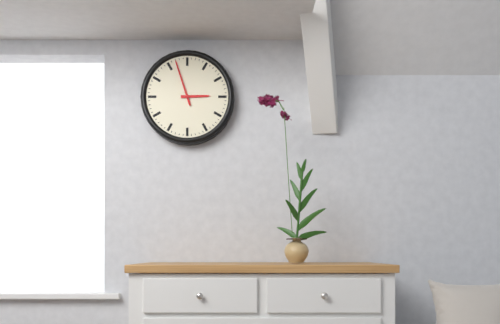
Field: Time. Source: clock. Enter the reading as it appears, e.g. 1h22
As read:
2h57
